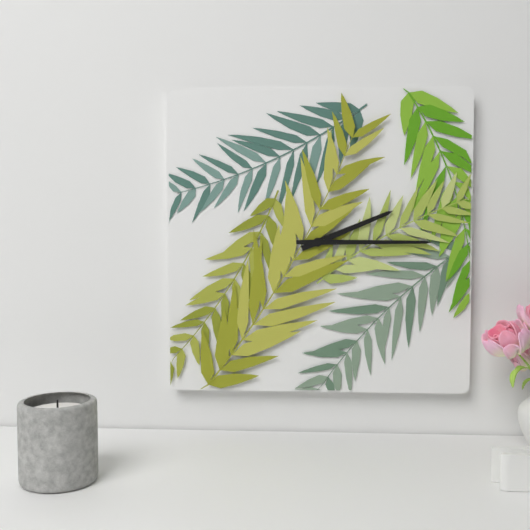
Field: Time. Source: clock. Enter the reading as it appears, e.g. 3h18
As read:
2h15
